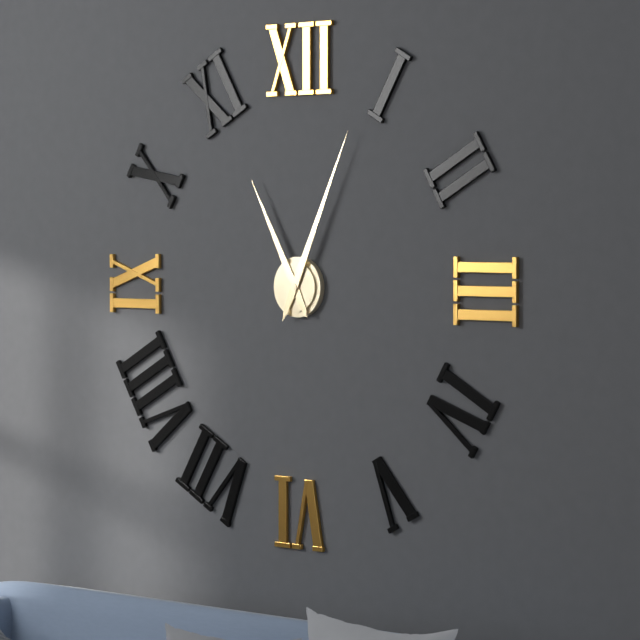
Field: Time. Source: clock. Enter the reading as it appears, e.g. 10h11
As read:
11h04
